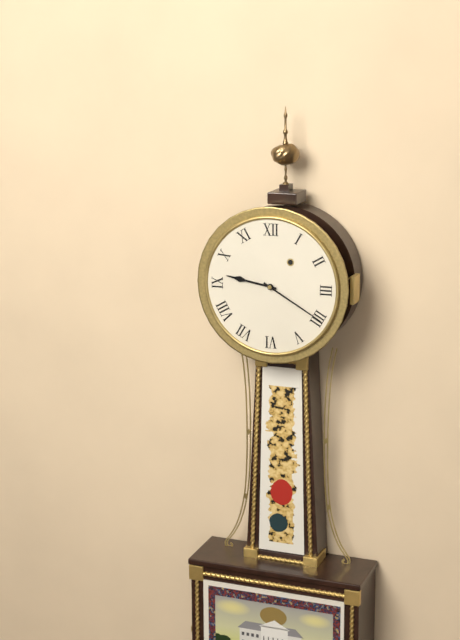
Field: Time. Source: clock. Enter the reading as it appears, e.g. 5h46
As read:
9h20
